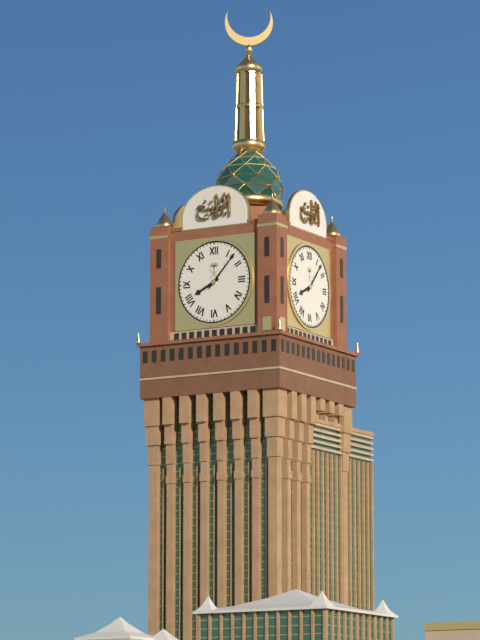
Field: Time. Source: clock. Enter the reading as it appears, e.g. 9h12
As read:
8h07
